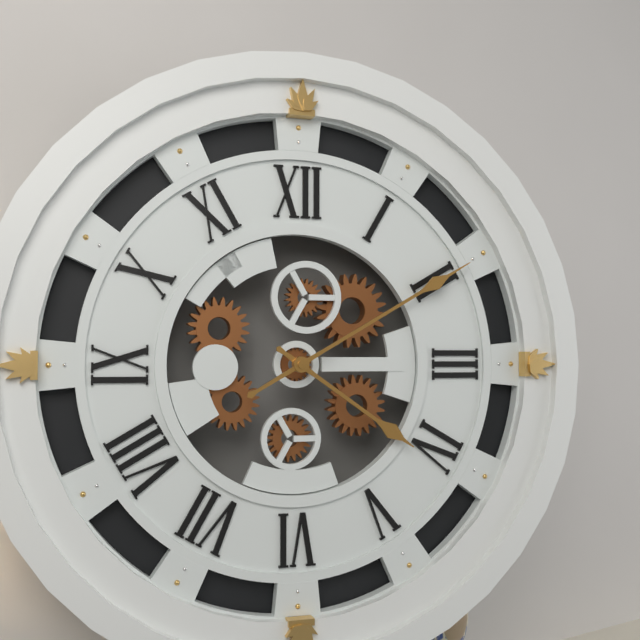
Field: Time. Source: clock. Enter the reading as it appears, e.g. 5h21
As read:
4h10
